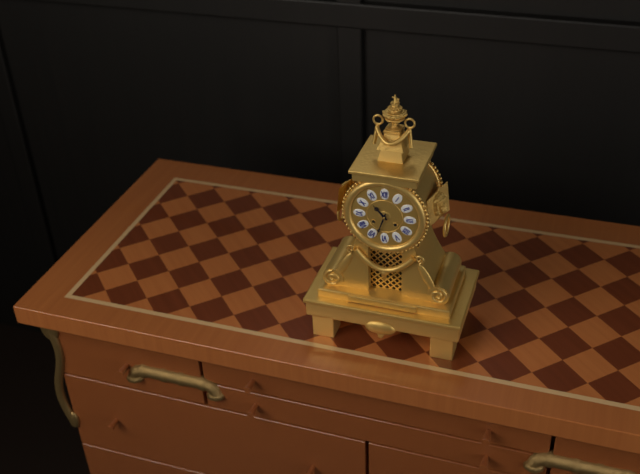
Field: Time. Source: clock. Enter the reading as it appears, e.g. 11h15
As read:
10h33
